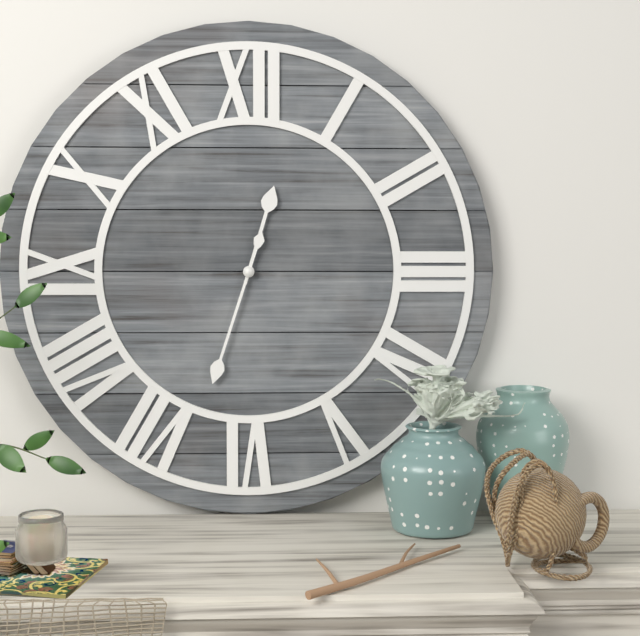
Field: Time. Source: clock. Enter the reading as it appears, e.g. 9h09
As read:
12h33
